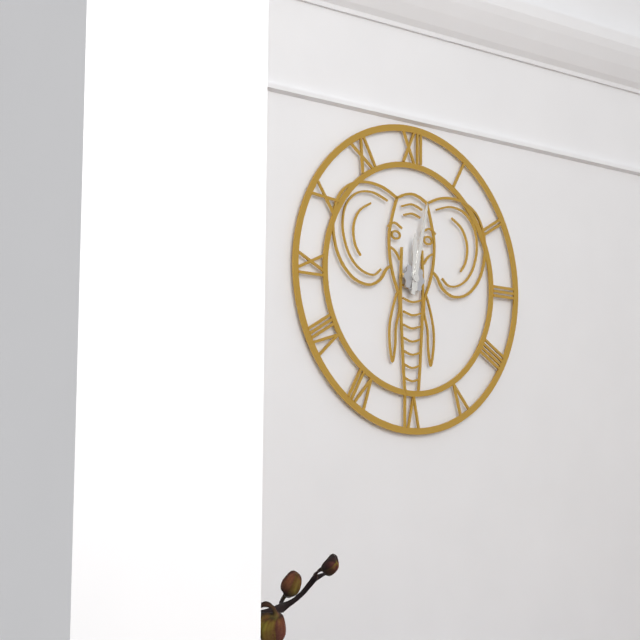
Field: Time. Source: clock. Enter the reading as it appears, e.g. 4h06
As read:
12h02
